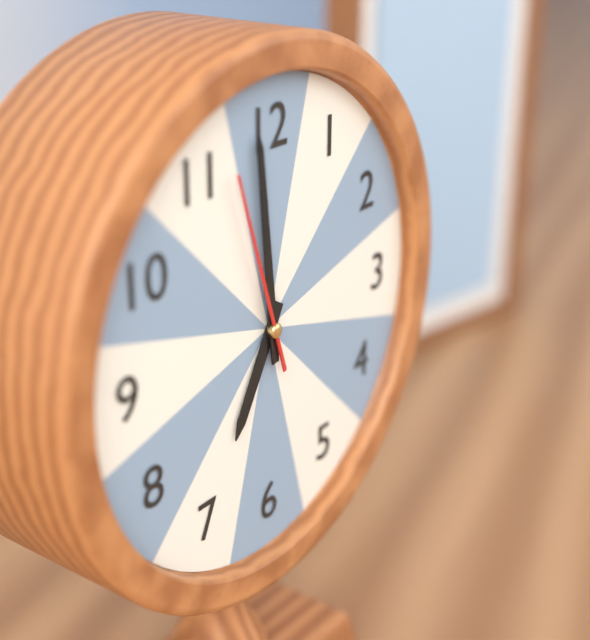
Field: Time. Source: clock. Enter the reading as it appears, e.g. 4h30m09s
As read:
6h59m57s
